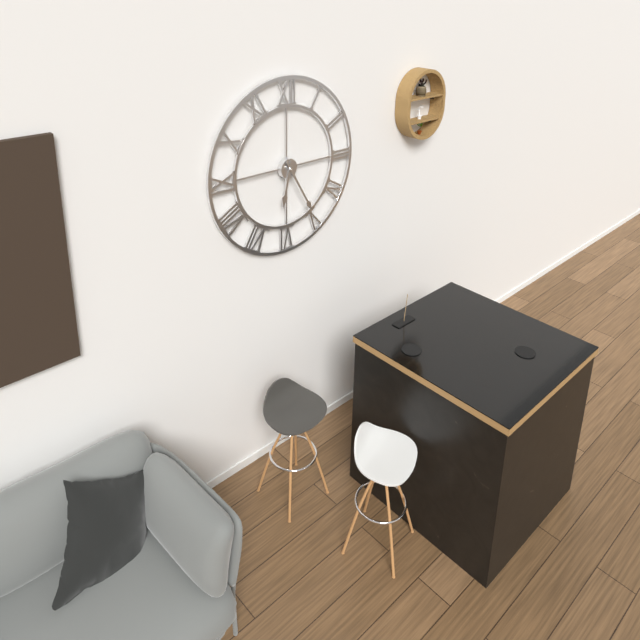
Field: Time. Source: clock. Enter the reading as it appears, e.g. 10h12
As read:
6h25
